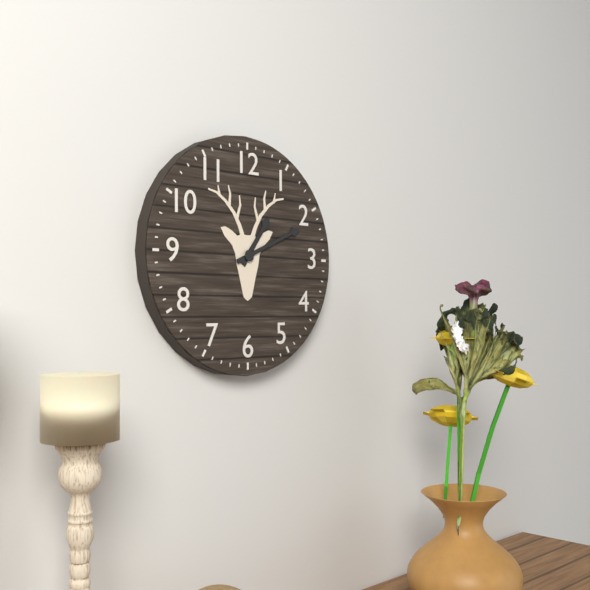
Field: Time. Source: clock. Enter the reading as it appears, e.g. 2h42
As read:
1h11
